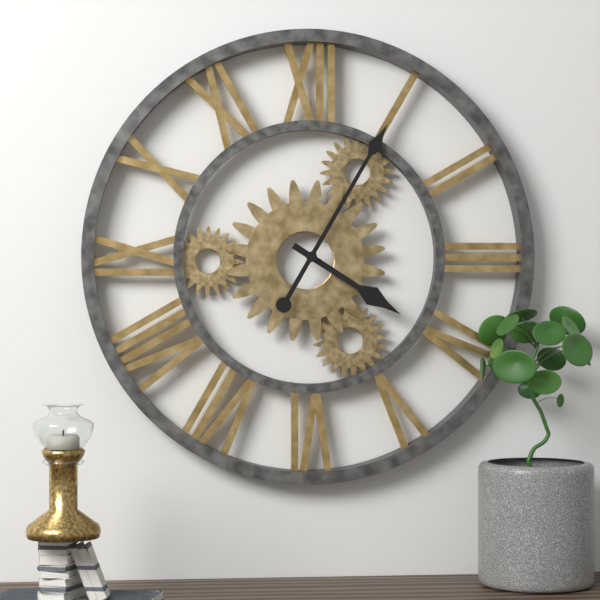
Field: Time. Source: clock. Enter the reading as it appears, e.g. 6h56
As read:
4h05
